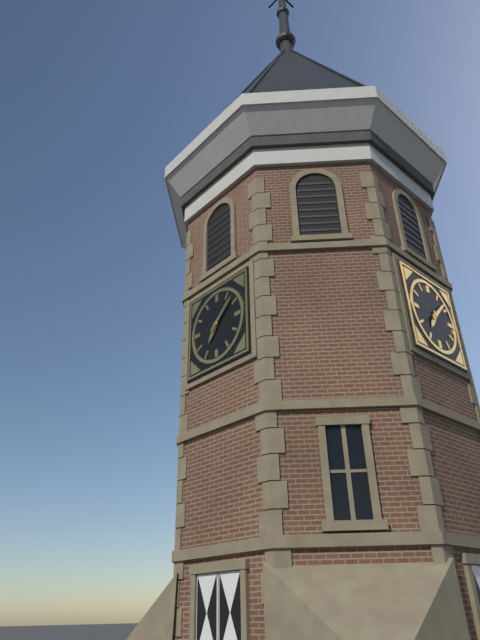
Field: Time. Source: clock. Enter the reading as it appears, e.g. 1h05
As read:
7h08
